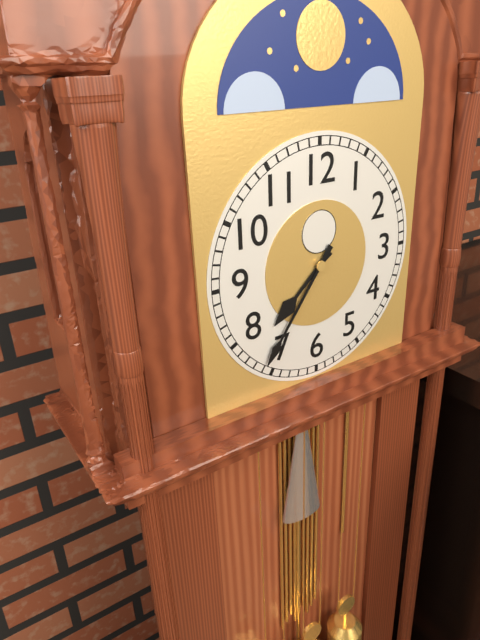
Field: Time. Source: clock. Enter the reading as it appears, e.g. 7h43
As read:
7h36
